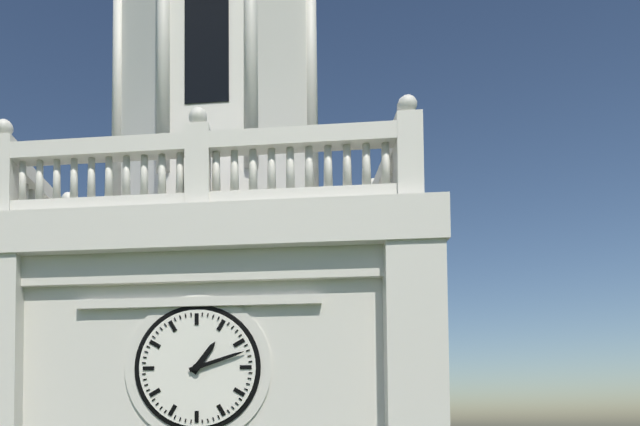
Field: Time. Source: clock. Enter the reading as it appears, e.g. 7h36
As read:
1h12
